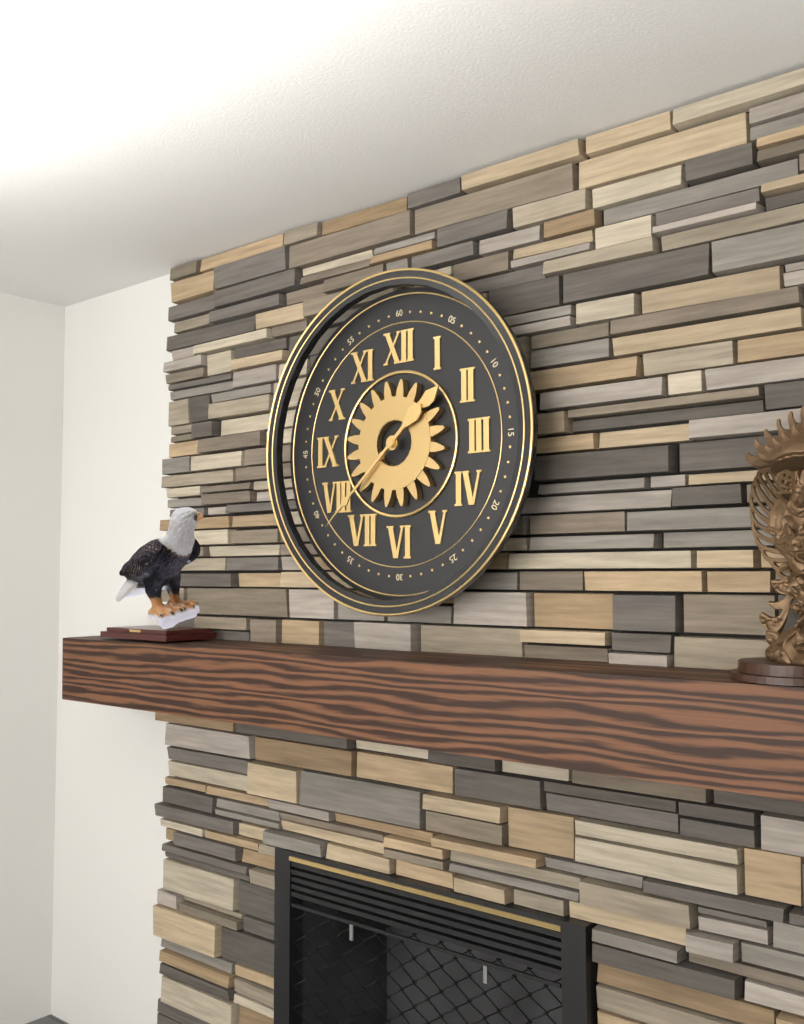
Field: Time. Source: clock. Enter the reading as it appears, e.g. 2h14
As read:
1h38
